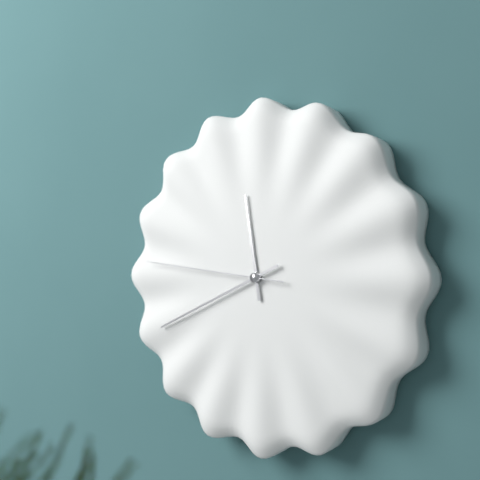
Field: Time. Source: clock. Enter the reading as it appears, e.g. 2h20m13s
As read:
11h41m46s
